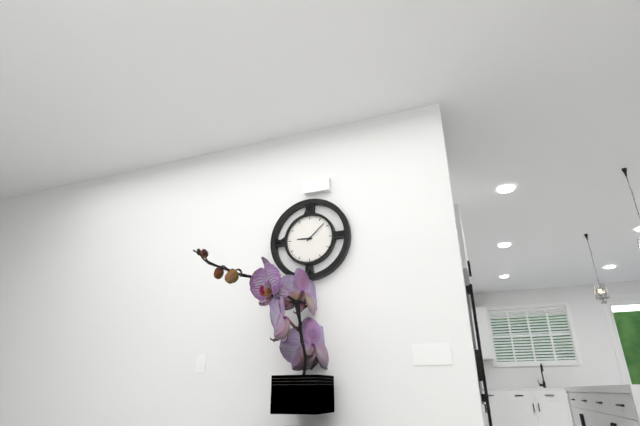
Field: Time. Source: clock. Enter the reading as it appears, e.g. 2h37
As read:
9h08
